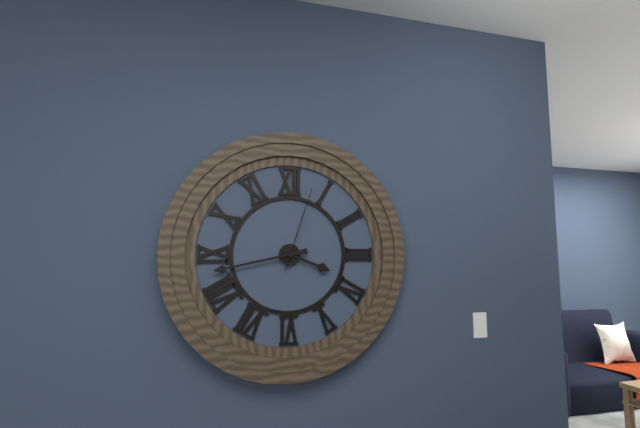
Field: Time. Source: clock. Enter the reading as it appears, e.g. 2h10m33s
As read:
3h43m03s
